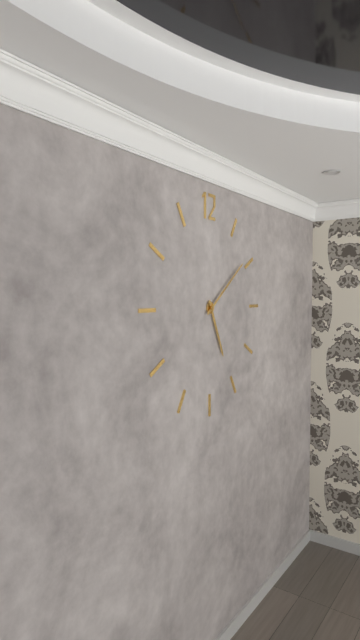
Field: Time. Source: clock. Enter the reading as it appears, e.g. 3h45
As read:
5h09
